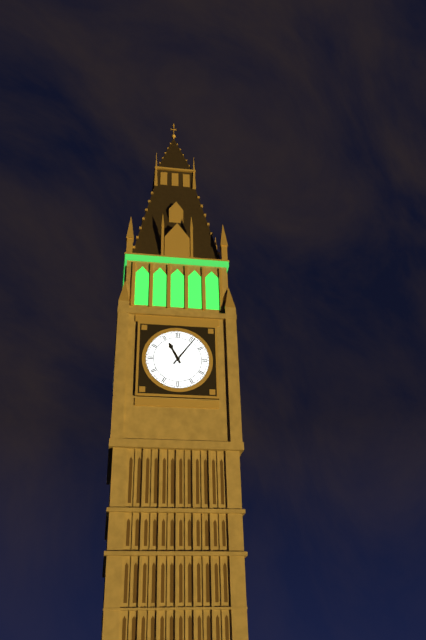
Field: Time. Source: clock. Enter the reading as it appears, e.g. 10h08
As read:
11h06
